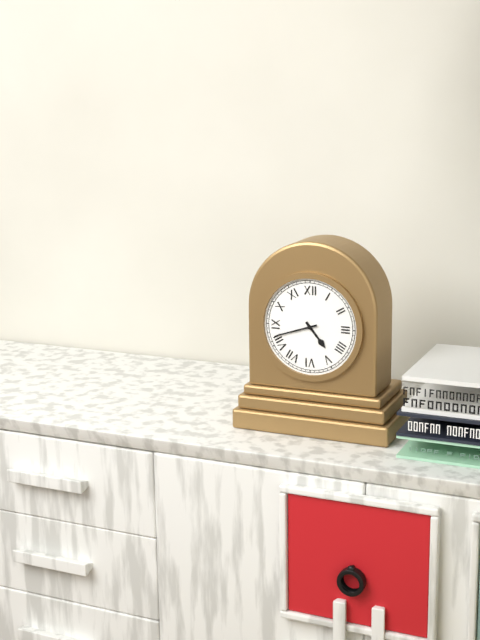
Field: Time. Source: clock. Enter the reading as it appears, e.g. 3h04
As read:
4h42
